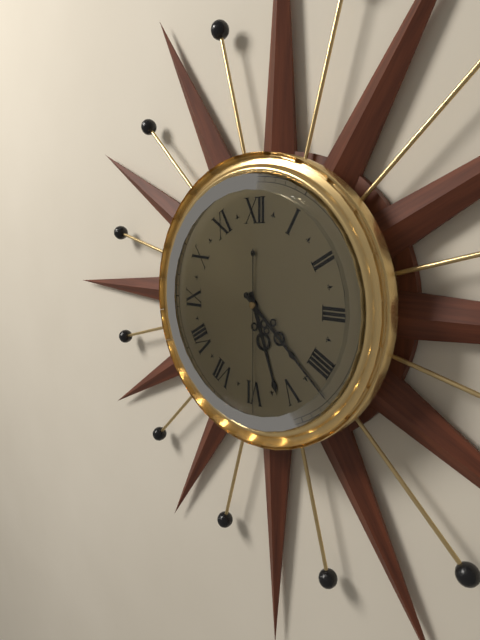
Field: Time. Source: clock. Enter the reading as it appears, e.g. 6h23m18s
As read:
5h22m30s
